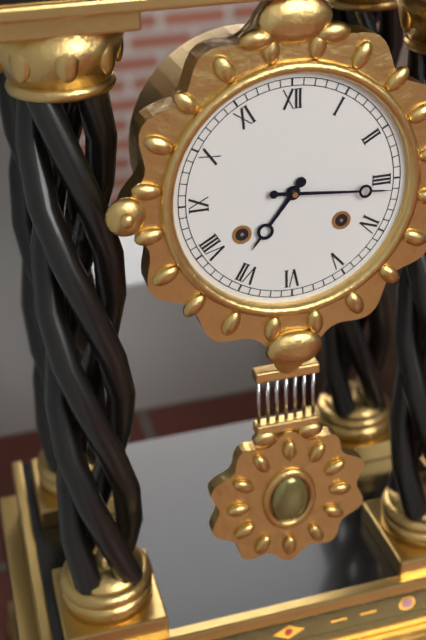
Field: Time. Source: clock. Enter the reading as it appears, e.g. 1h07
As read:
7h16
